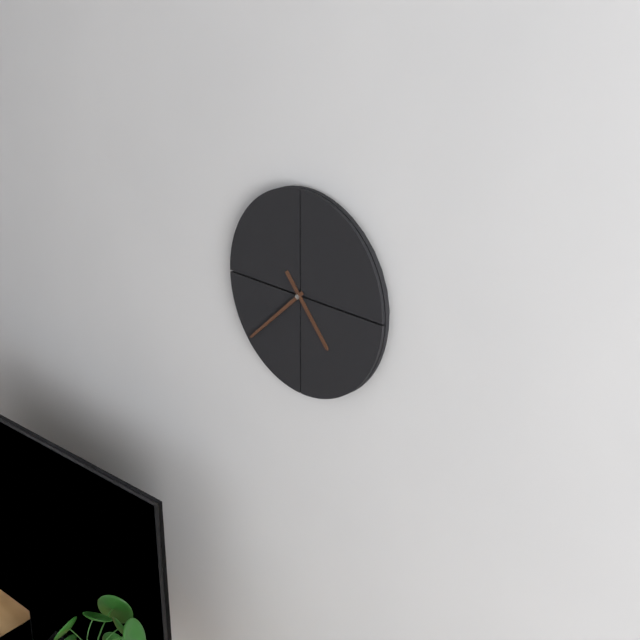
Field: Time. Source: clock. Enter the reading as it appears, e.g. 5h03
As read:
4h38
